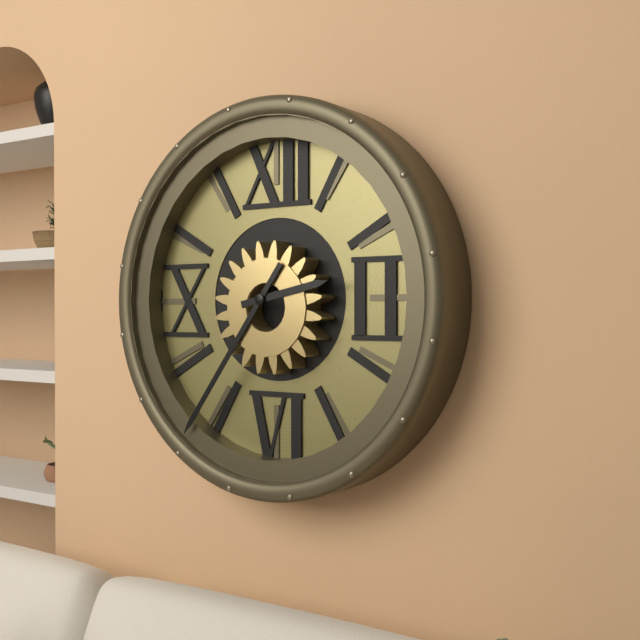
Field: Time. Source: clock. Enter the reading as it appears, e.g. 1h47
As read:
2h36
